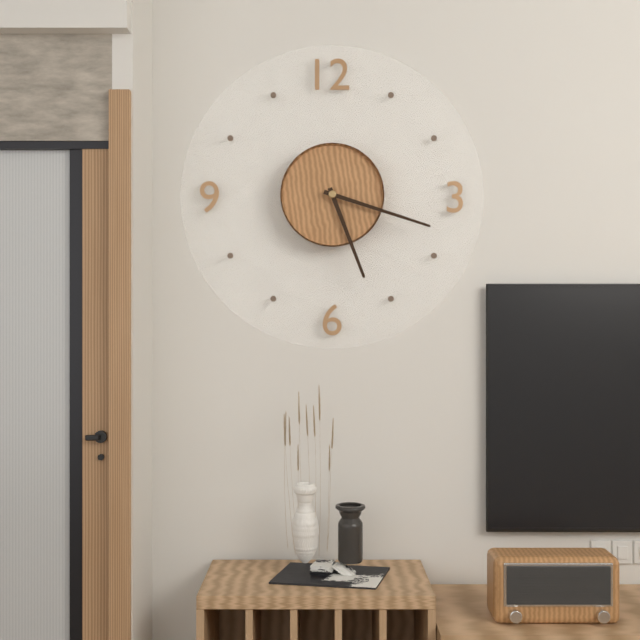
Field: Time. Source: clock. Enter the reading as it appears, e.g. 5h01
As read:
5h18
